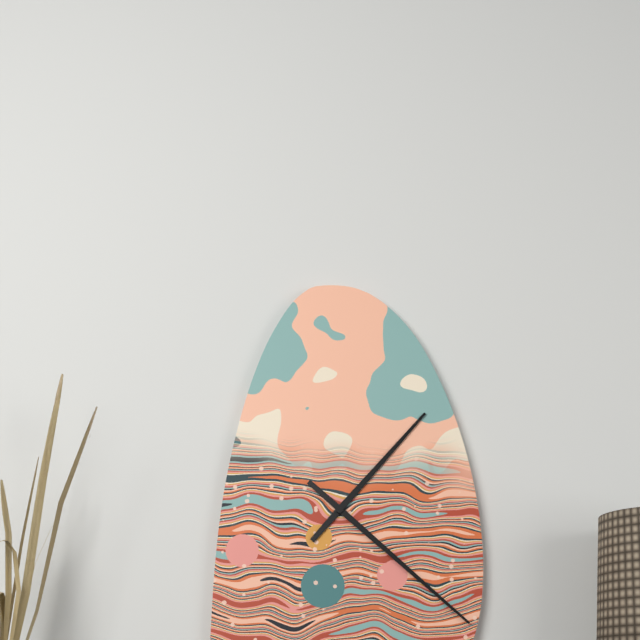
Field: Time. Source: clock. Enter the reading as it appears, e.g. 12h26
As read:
1h22
